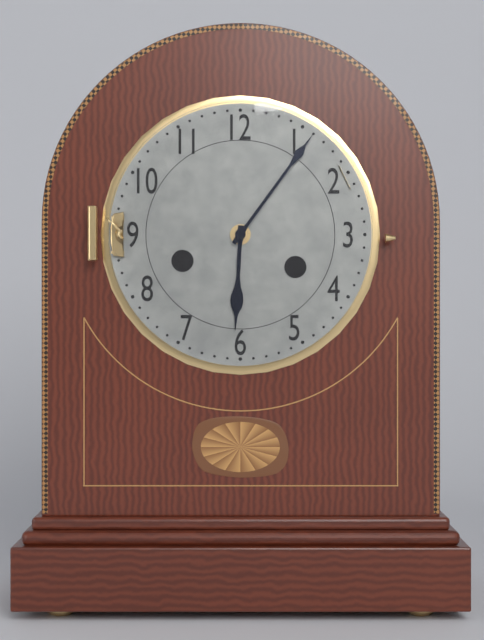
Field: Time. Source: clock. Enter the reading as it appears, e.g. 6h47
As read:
6h06
